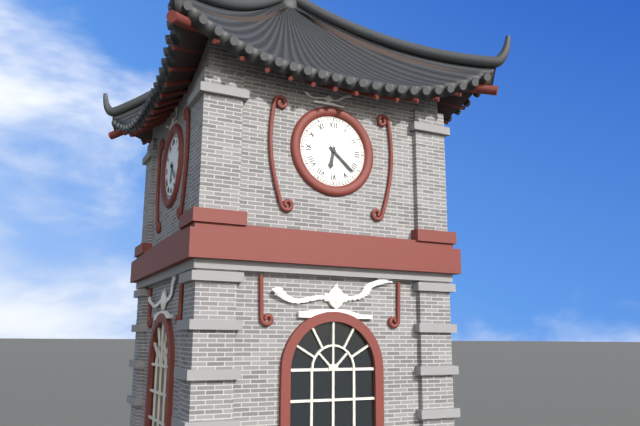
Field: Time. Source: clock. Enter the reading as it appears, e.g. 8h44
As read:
6h22
